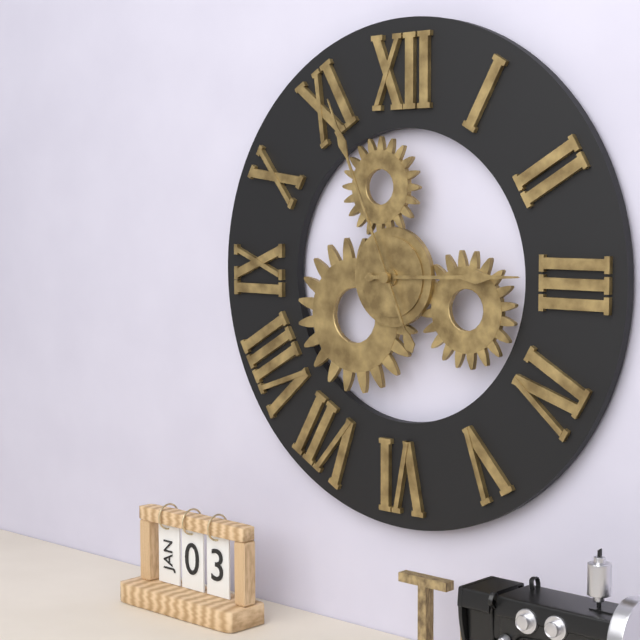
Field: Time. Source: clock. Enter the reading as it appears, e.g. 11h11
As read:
2h56
